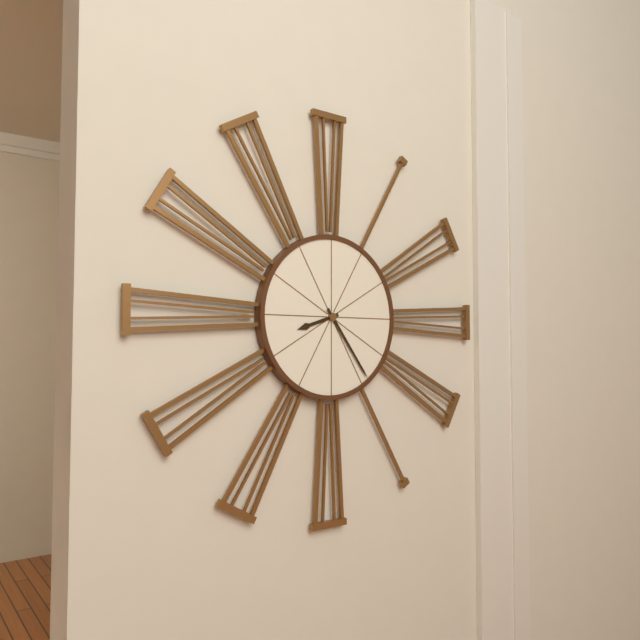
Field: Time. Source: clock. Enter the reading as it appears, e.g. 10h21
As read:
8h24
